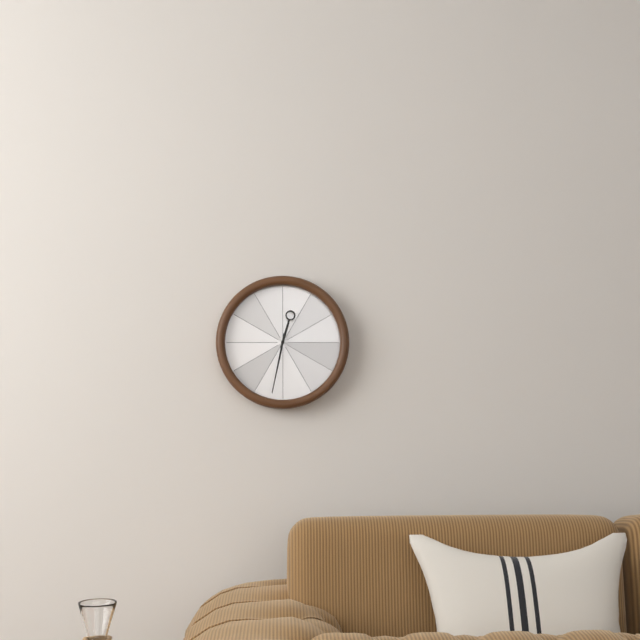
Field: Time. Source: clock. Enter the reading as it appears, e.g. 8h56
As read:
12h32
